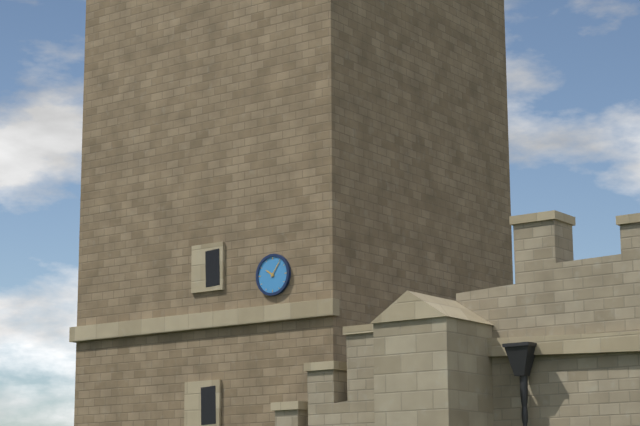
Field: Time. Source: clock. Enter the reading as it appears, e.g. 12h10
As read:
10h06
